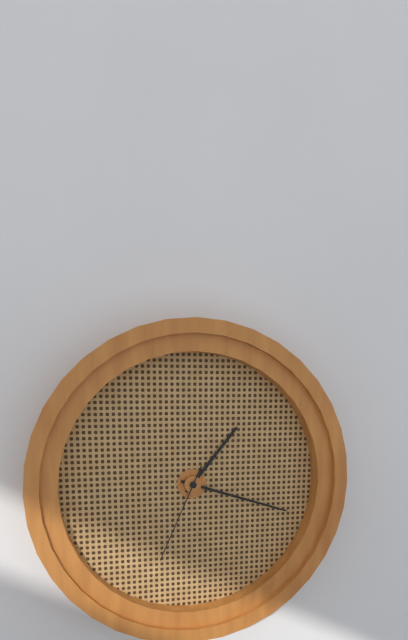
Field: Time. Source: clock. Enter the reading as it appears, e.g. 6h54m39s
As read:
1h18m34s
